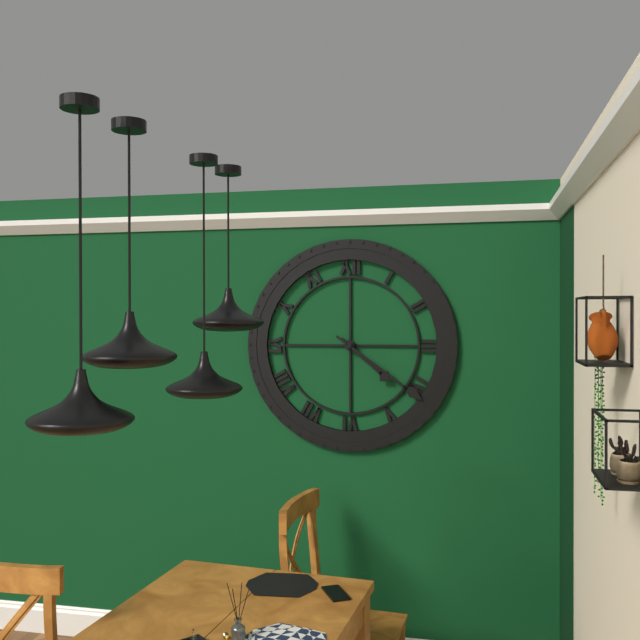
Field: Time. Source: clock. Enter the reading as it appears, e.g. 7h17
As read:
4h21
